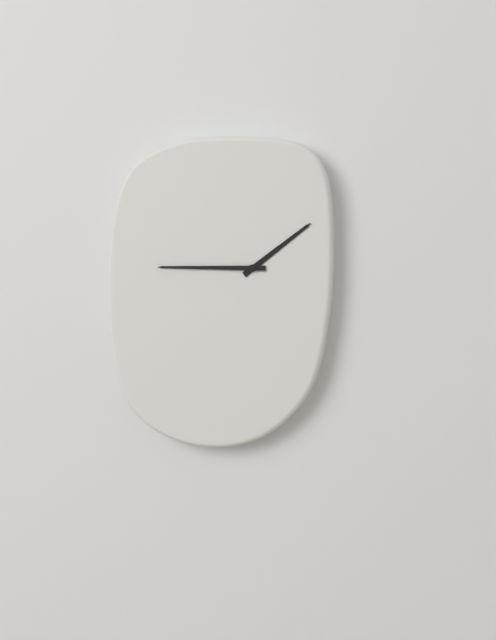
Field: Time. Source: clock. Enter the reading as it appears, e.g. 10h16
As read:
1h45
